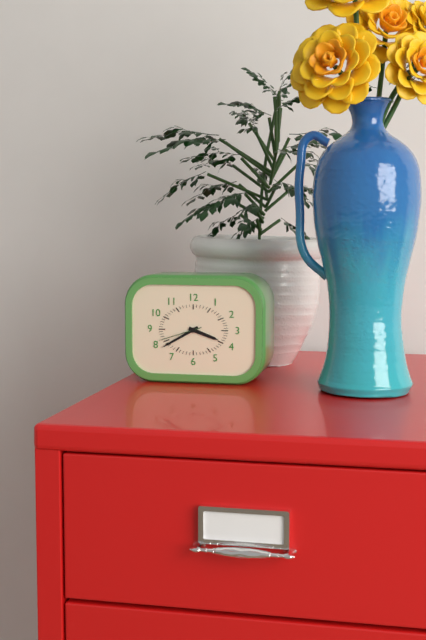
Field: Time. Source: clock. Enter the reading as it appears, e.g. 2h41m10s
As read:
3h40m42s
